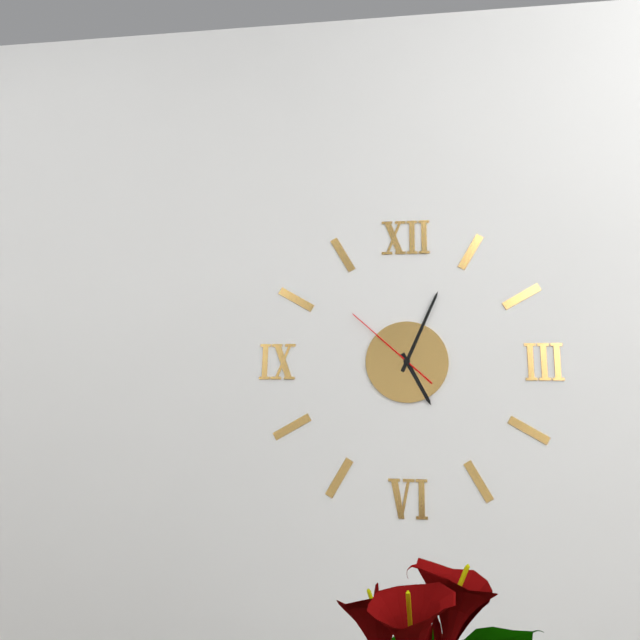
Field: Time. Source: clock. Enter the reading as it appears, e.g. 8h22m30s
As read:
5h04m52s
